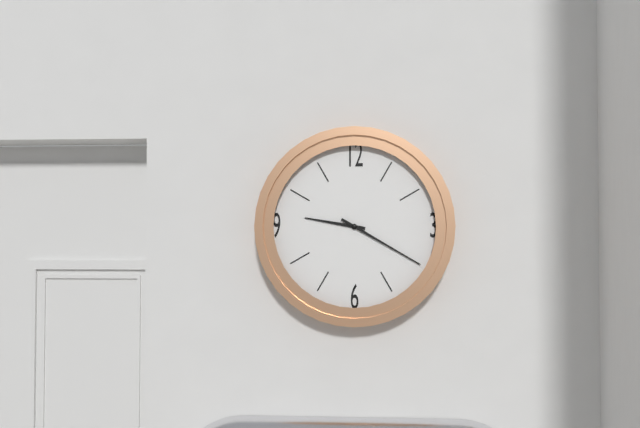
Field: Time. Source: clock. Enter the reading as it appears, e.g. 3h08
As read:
9h20
